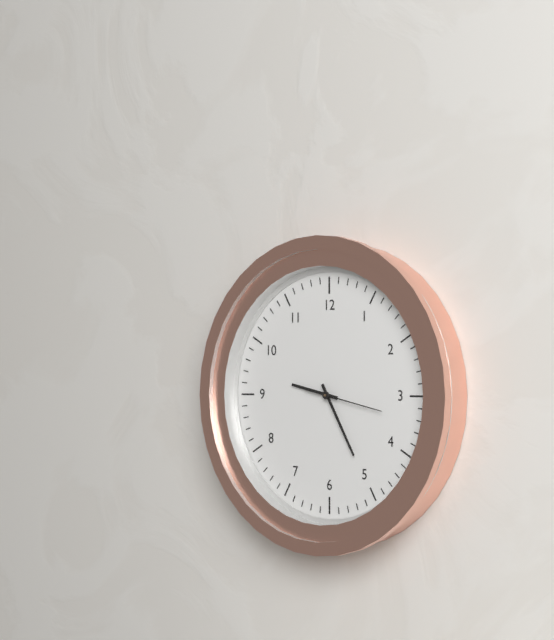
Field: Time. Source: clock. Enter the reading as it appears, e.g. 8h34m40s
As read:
9h25m17s
